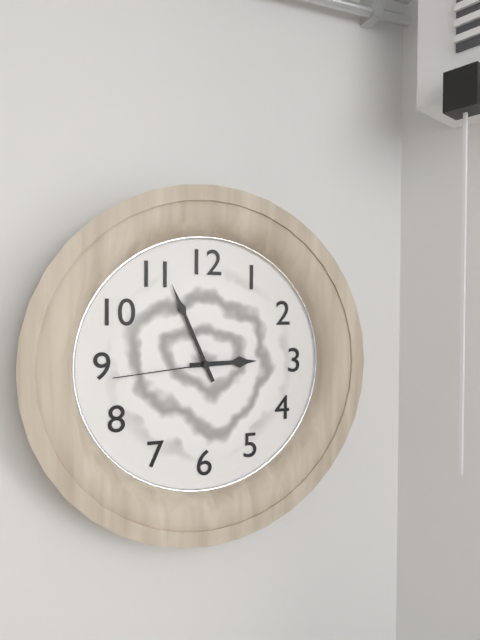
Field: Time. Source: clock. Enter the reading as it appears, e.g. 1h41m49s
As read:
2h56m44s
